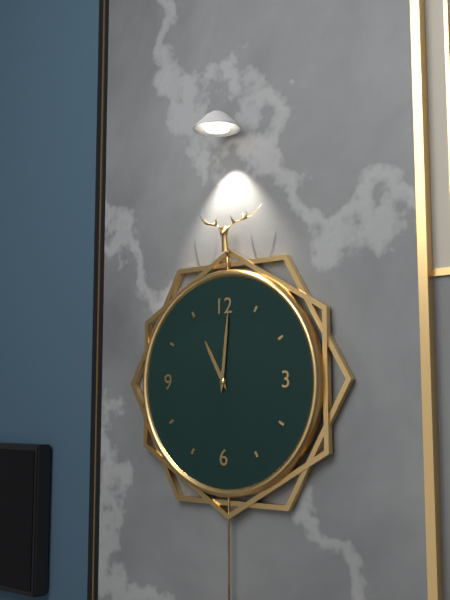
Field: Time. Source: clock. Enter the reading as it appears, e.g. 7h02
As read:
11h01
